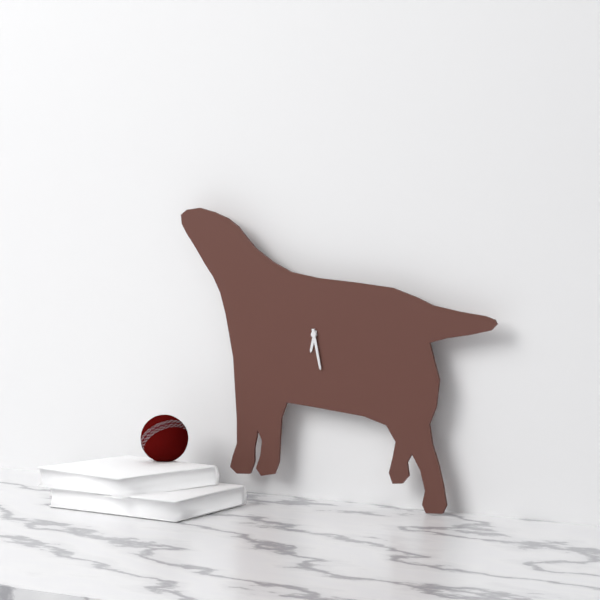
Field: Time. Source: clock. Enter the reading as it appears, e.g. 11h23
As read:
6h28
